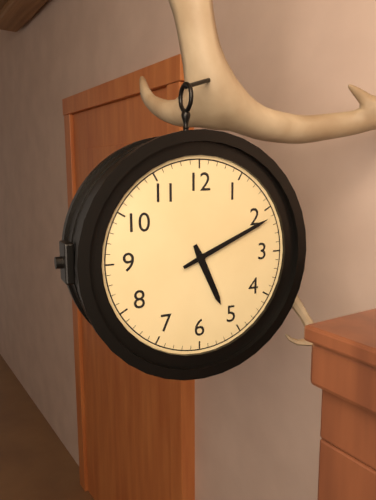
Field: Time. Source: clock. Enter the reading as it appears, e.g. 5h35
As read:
5h11
